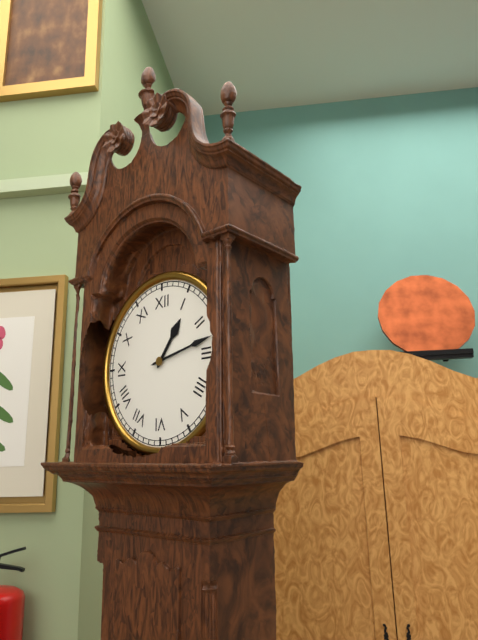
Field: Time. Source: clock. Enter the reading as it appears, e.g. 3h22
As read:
1h13
